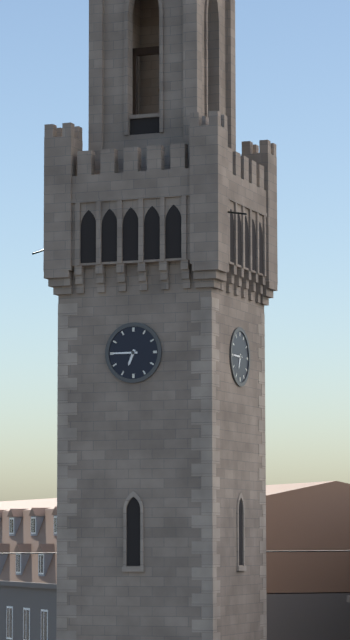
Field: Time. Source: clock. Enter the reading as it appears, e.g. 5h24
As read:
6h45
